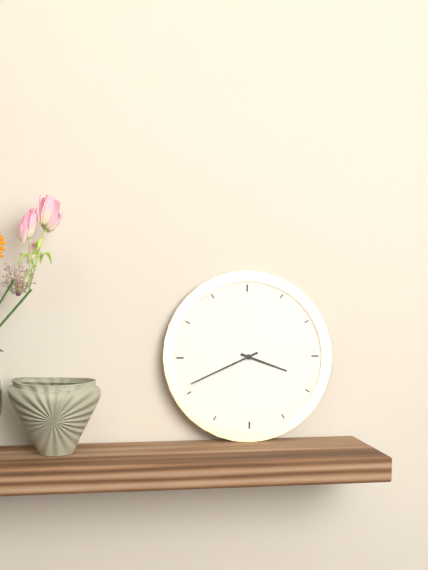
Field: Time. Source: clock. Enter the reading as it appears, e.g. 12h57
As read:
3h41
